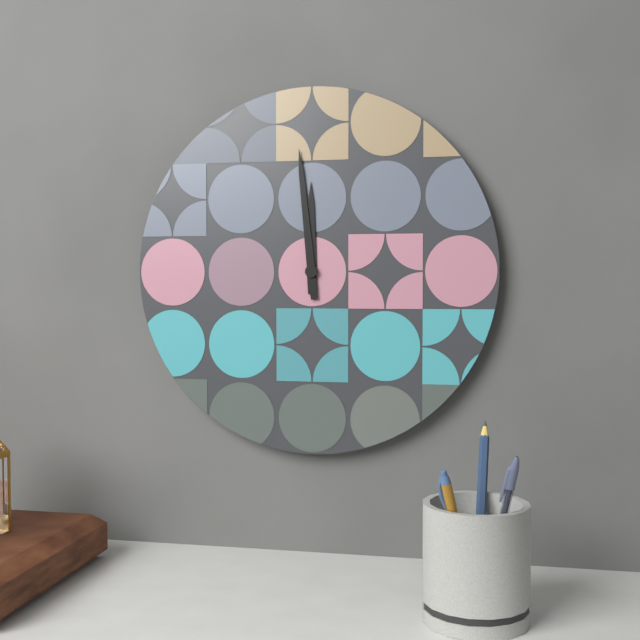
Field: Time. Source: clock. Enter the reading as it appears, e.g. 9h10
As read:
11h59
